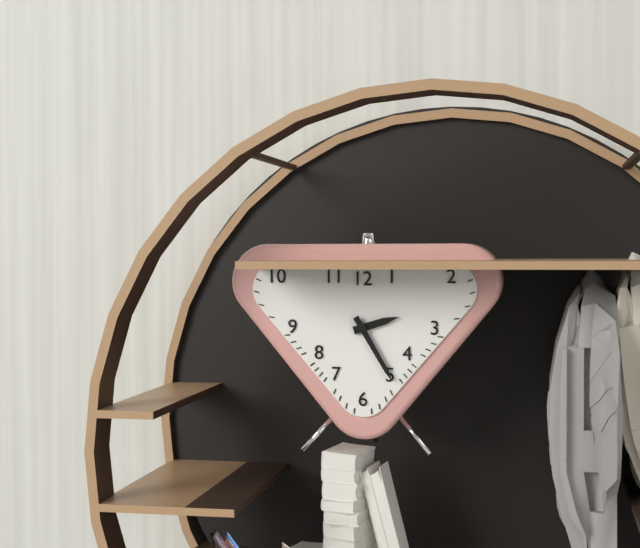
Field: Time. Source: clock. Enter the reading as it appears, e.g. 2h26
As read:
2h25
